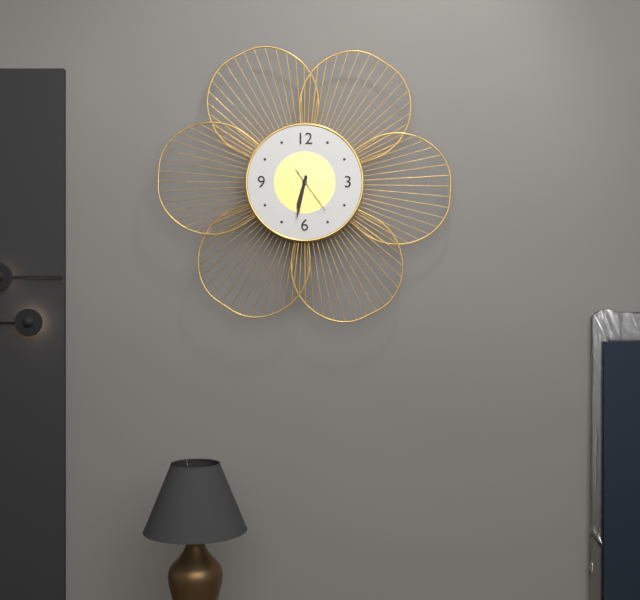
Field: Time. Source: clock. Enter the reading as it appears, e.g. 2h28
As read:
6h32
